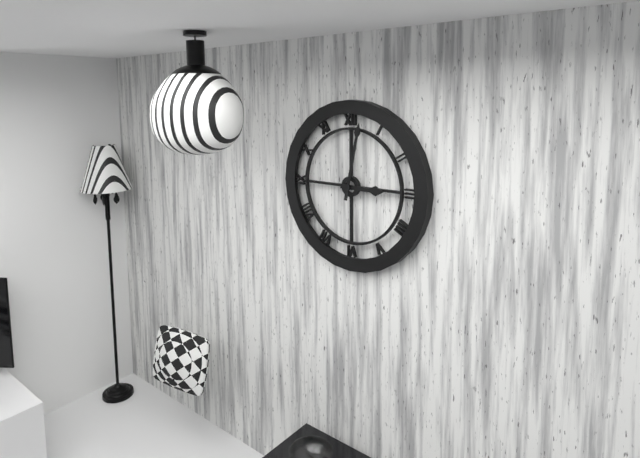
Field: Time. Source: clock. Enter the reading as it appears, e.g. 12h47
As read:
3h02
